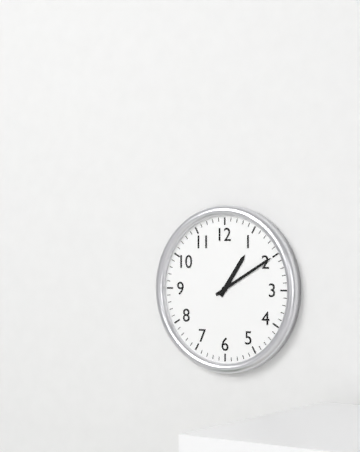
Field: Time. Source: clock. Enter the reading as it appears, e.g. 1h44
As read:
1h10
